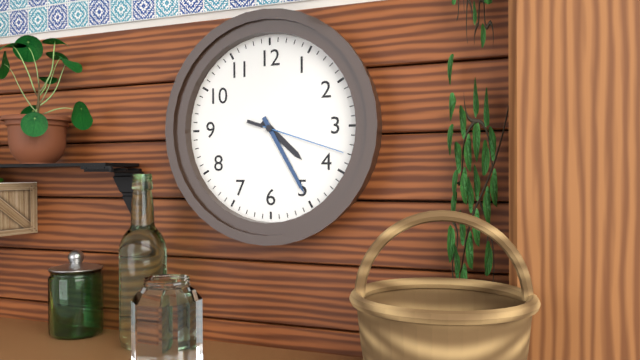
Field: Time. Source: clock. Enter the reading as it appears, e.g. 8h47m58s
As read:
4h25m18s
